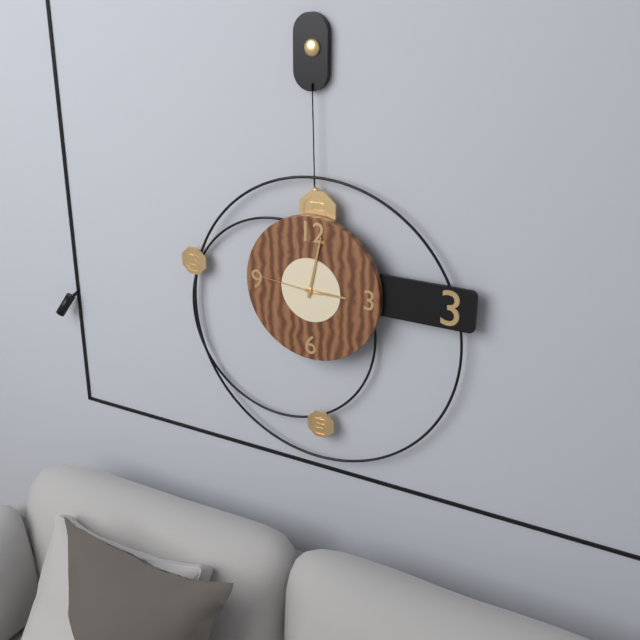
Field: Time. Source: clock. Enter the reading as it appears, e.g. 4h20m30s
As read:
3h02m46s
